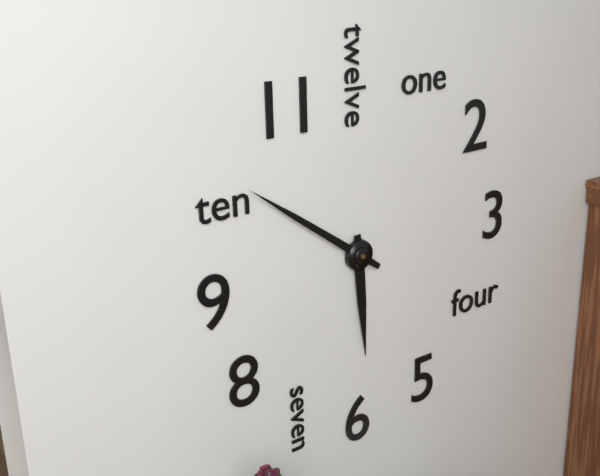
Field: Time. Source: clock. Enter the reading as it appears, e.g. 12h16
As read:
5h51
